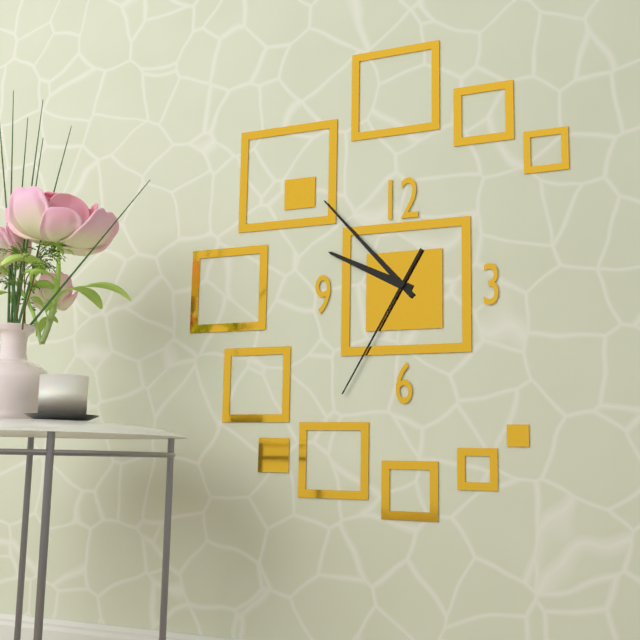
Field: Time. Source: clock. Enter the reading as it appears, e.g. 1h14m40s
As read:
9h53m35s
